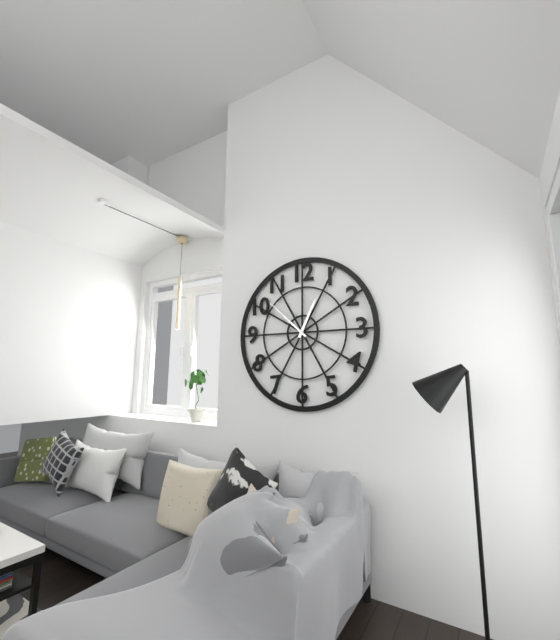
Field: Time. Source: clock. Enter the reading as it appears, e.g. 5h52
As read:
12h52
